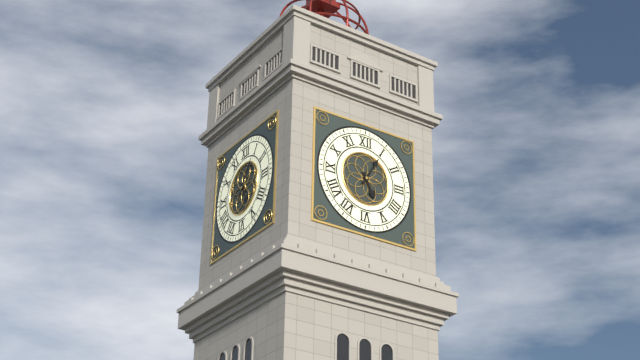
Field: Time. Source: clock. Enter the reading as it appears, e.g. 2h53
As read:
5h05
